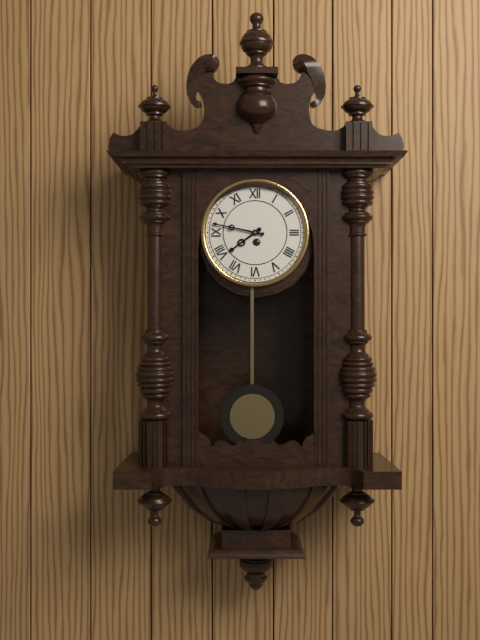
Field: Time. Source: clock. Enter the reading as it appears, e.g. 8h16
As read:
7h47
